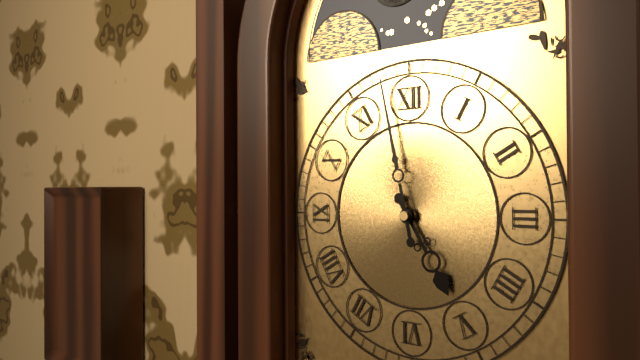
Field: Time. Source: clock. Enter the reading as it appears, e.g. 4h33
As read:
4h58
